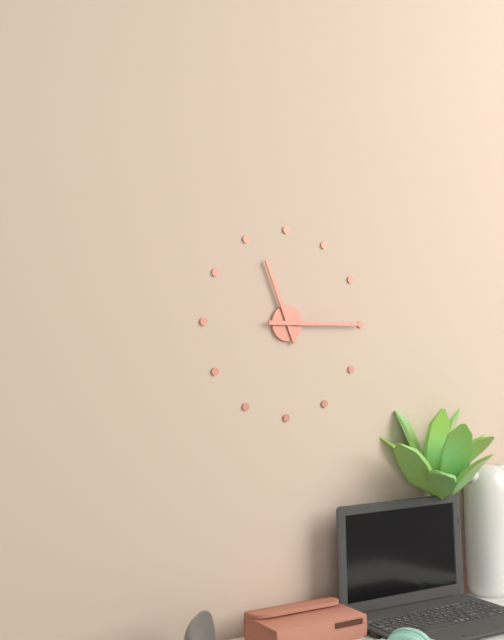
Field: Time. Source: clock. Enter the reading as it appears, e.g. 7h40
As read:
11h15
